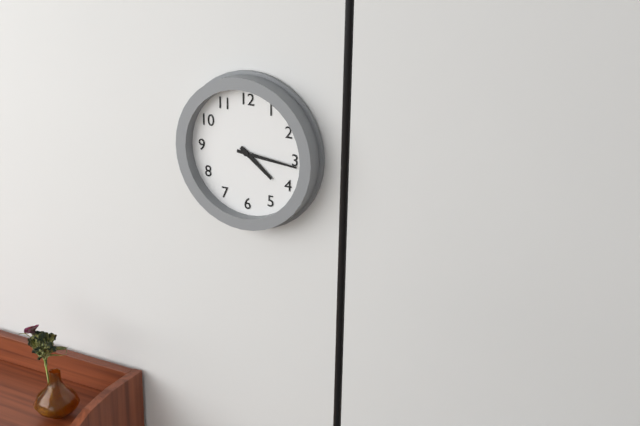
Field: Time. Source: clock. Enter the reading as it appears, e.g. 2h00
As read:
4h16
